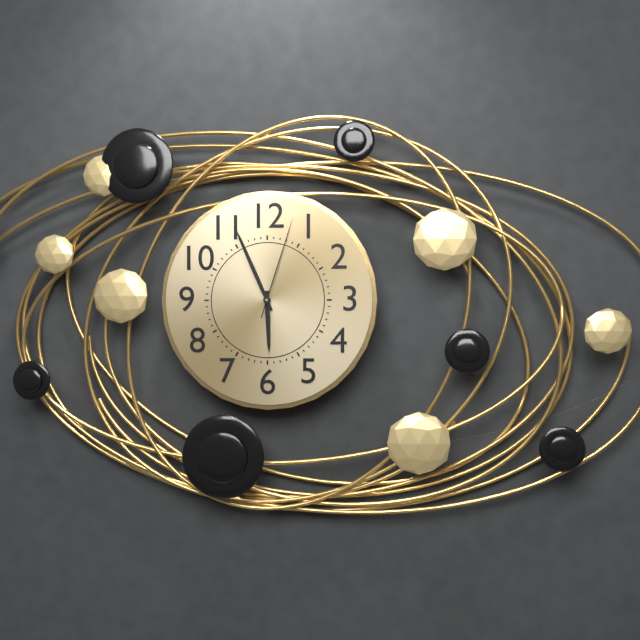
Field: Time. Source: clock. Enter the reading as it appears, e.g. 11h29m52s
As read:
5h56m03s
